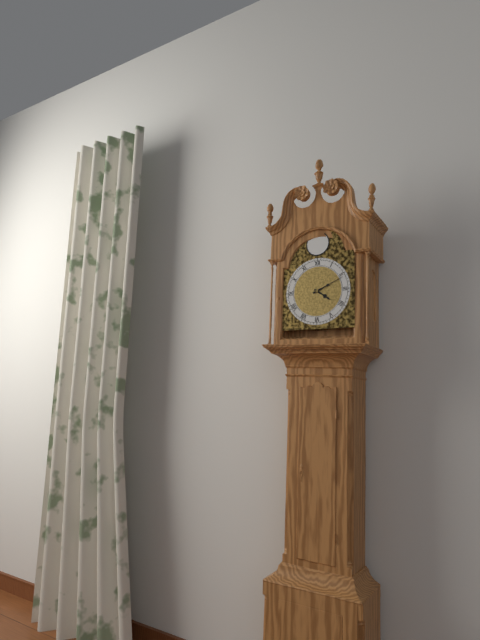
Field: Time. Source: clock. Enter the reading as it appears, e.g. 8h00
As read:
4h11
